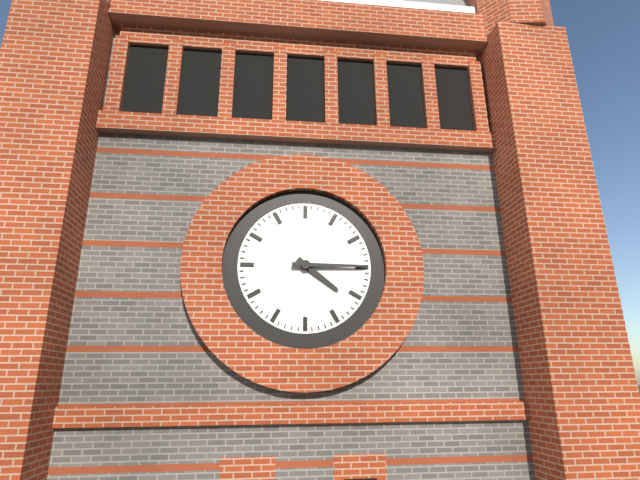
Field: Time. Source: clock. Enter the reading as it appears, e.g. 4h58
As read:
4h15
